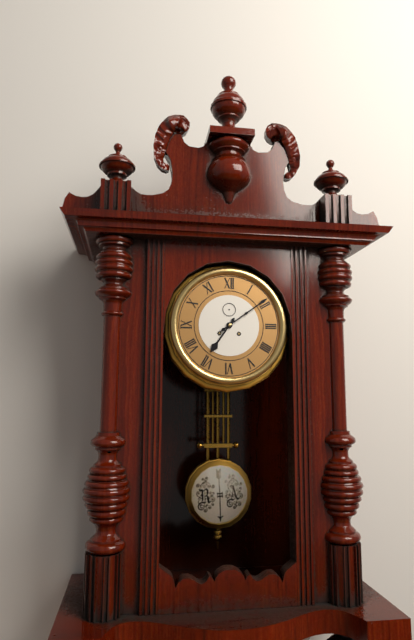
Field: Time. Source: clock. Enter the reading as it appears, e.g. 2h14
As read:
7h09
